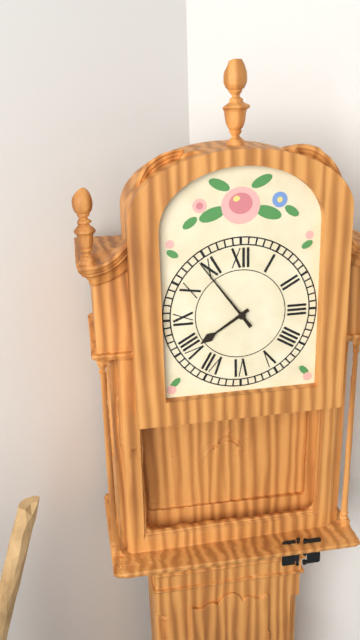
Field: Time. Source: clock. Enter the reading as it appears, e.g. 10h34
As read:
7h54
